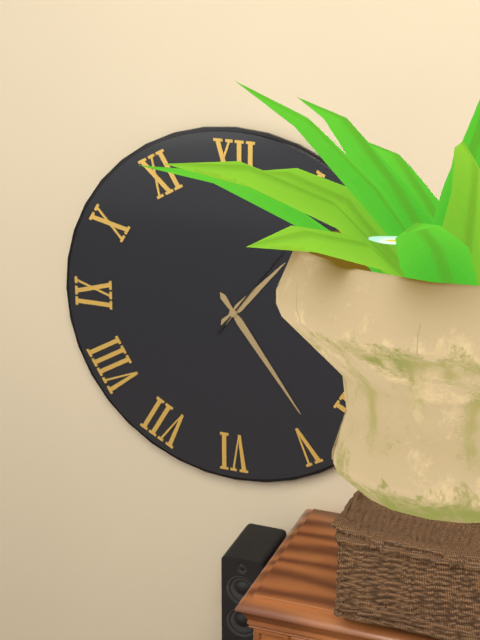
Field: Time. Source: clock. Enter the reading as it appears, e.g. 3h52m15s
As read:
1h24m06s
